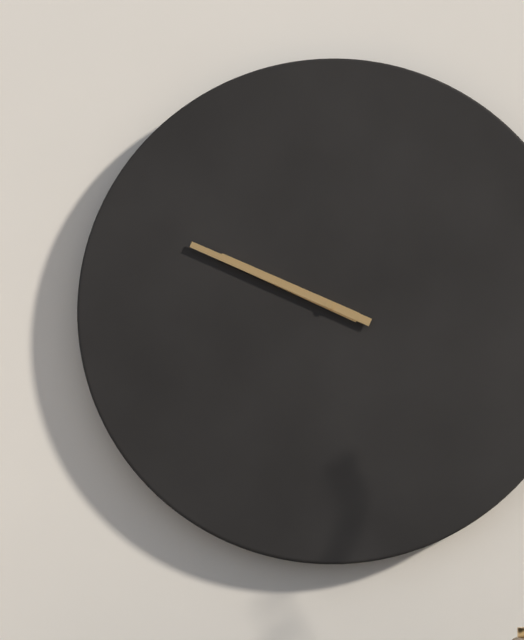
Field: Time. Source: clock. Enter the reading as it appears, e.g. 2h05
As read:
9h49
